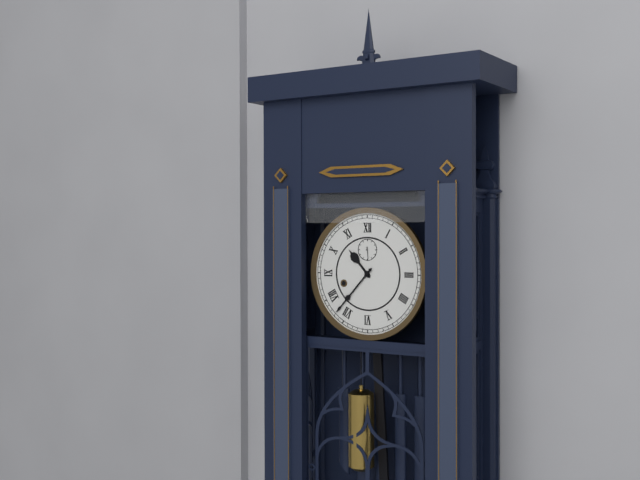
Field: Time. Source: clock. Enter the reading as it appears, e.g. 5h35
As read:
10h37
